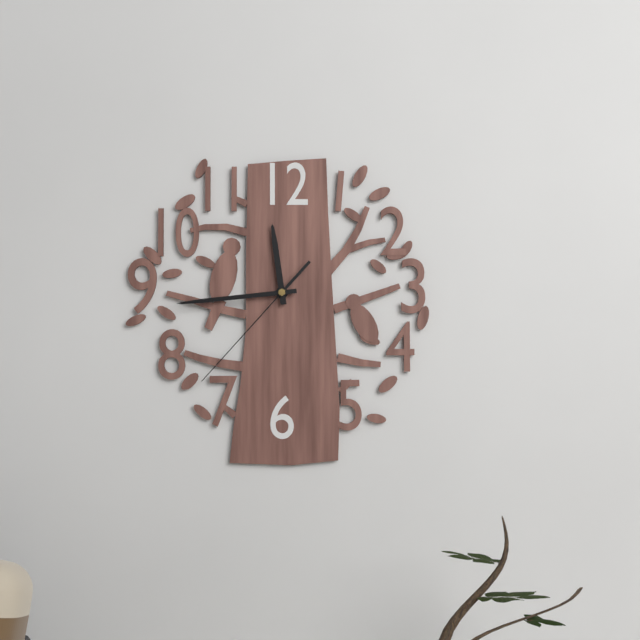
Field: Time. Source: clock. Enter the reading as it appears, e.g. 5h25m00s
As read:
11h44m37s
